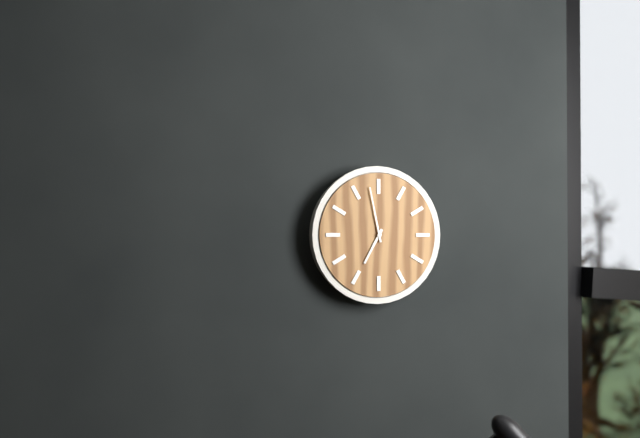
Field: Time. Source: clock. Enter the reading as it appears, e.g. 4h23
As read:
6h58
